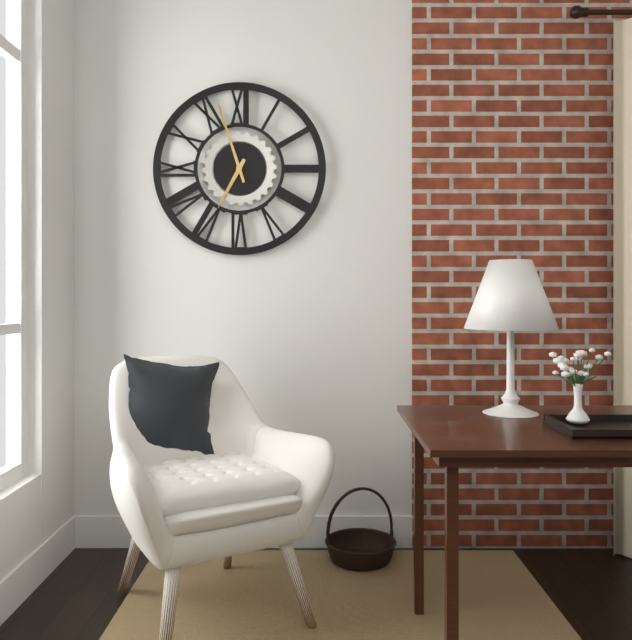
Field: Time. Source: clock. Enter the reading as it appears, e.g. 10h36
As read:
6h57
